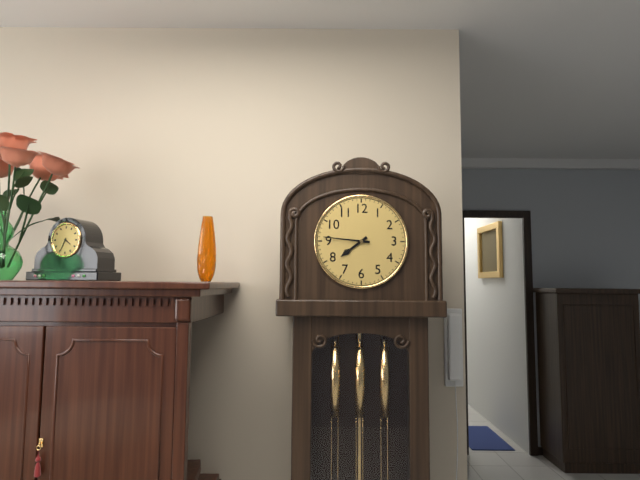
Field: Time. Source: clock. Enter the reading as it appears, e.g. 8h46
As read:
7h46
